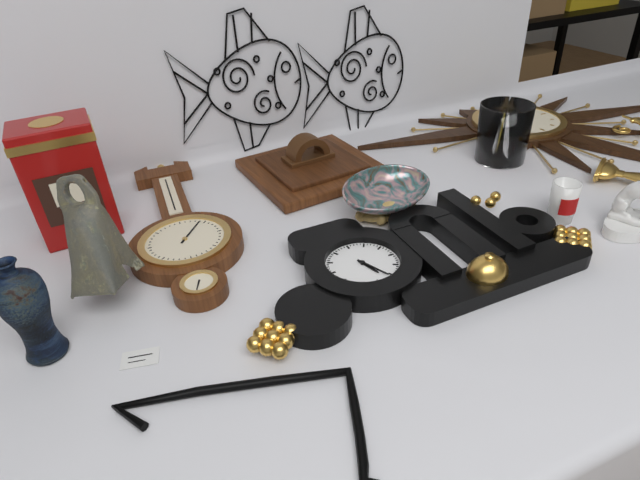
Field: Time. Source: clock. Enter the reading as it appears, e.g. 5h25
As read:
5h26
